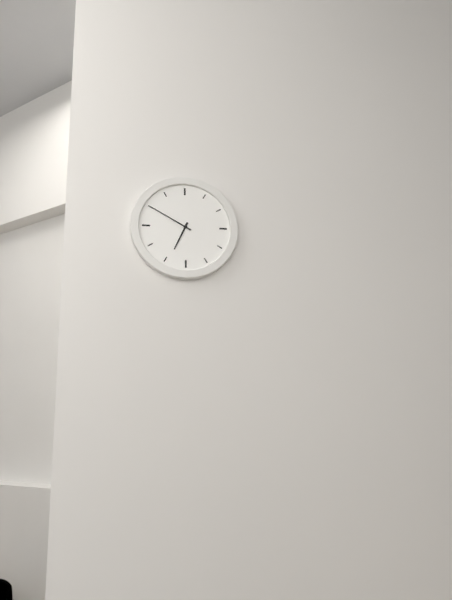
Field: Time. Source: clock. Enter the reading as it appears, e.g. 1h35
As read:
6h50
